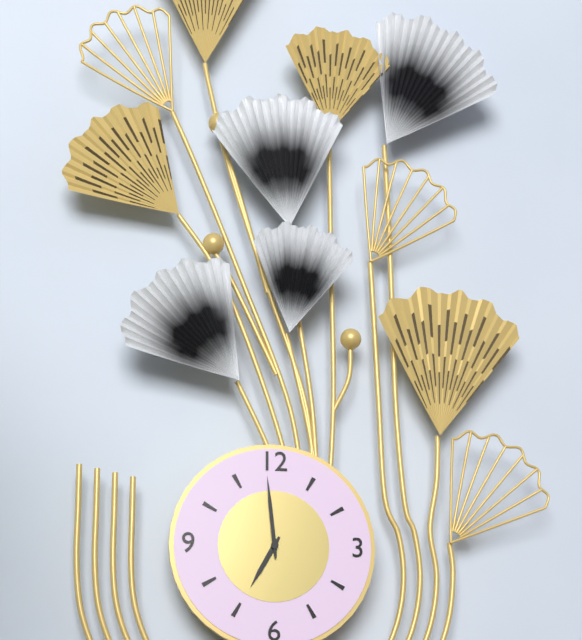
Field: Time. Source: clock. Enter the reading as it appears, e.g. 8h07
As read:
6h59
